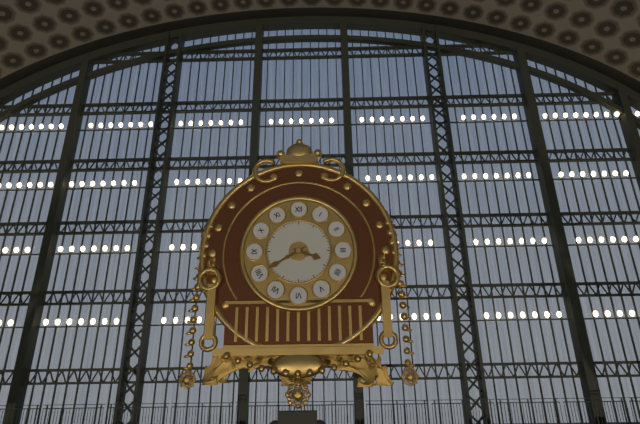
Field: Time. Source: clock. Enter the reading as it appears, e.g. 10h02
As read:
3h40
